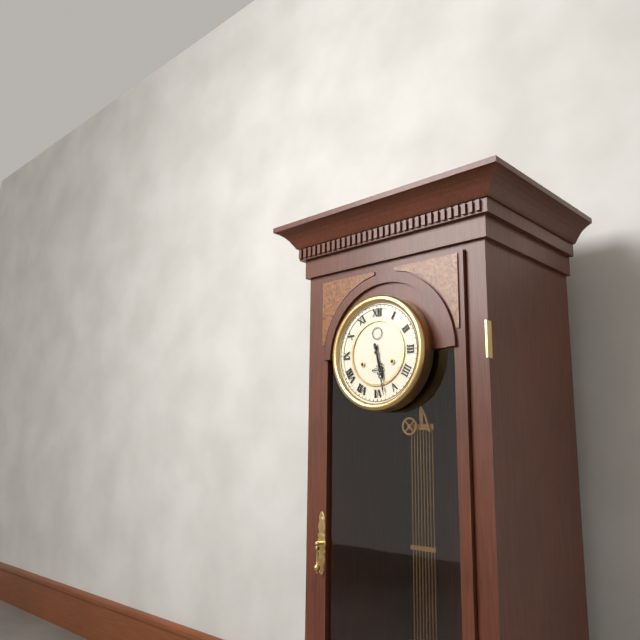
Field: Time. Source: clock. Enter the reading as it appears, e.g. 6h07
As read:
5h28
